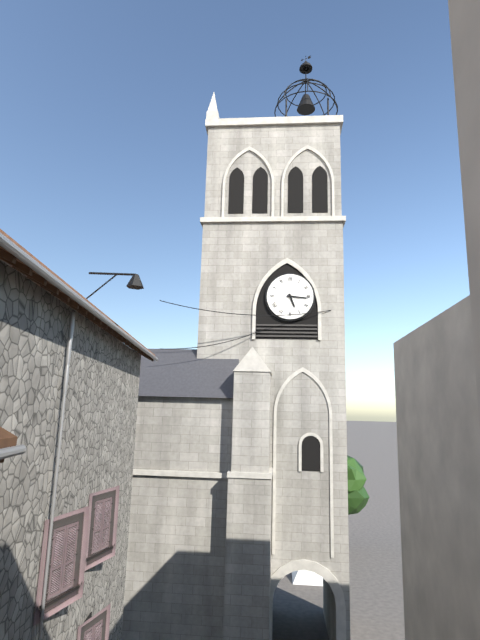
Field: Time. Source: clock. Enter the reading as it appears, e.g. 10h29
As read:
5h16
